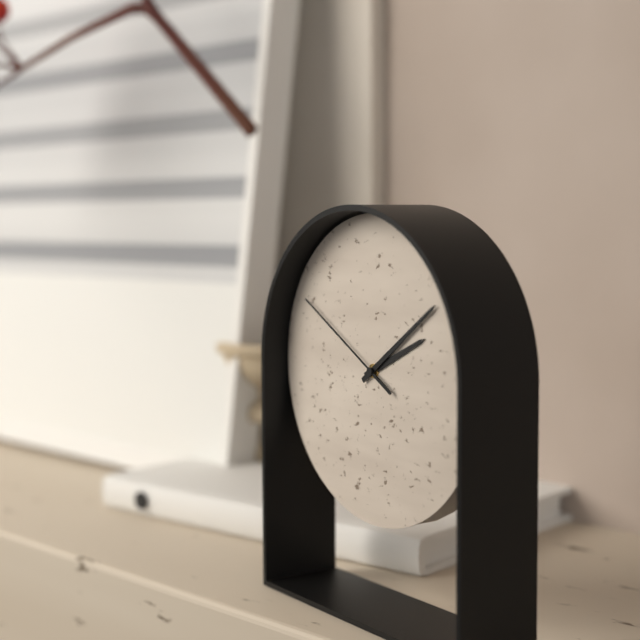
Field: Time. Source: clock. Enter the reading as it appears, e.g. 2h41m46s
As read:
2h09m50s
